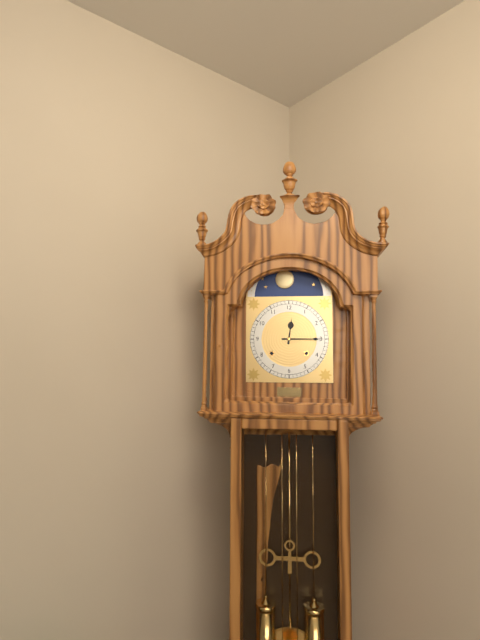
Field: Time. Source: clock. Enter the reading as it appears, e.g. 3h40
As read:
12h15
